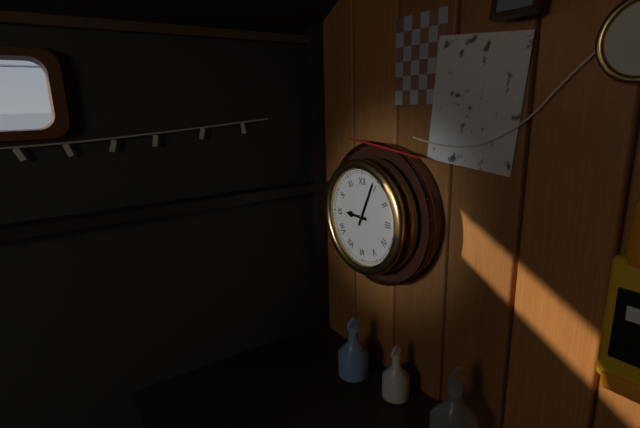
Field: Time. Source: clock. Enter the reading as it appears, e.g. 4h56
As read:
9h04
